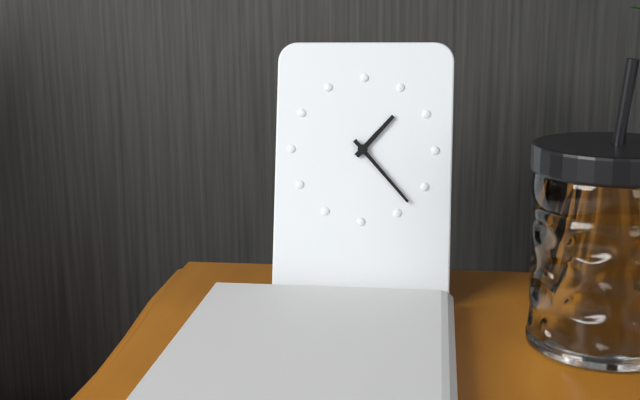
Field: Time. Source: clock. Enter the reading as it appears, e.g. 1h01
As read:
1h23
